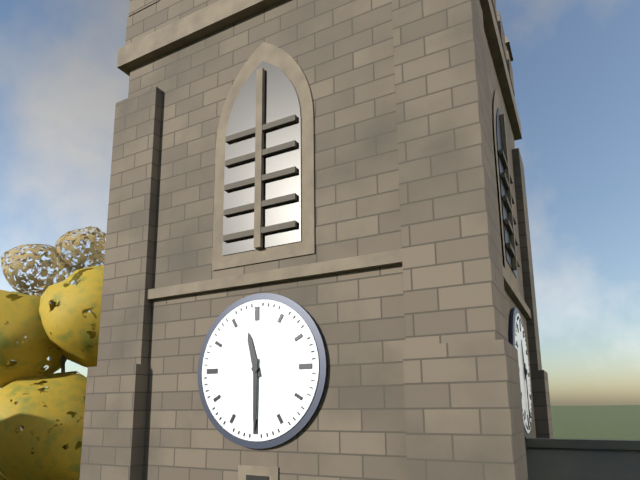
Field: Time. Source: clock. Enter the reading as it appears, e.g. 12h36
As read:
11h30
